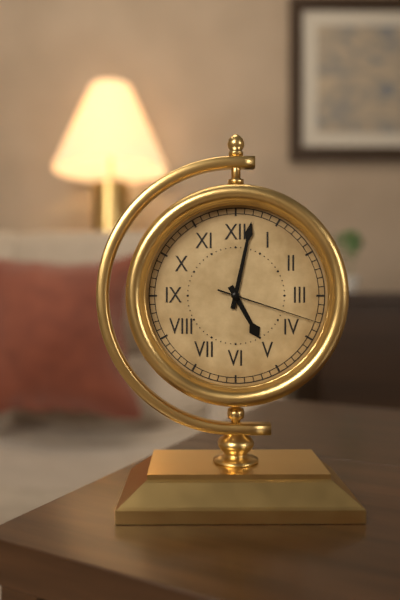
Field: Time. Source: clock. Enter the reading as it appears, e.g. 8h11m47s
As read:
5h02m18s
